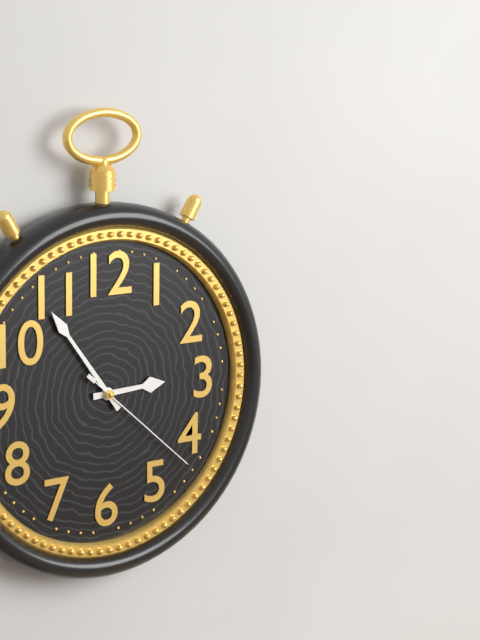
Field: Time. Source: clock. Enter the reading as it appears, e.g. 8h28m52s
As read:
2h54m22s
